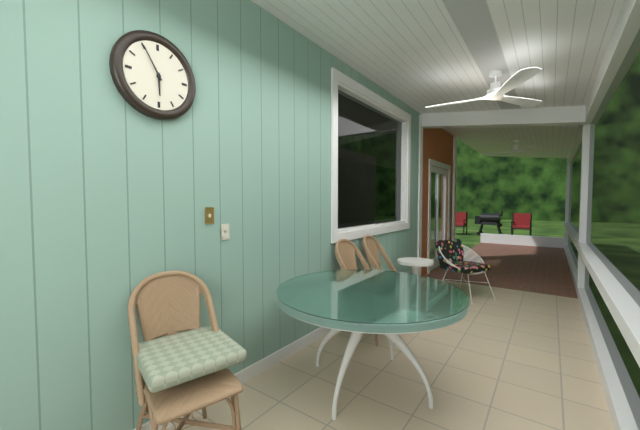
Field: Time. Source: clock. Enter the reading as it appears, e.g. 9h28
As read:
5h55
